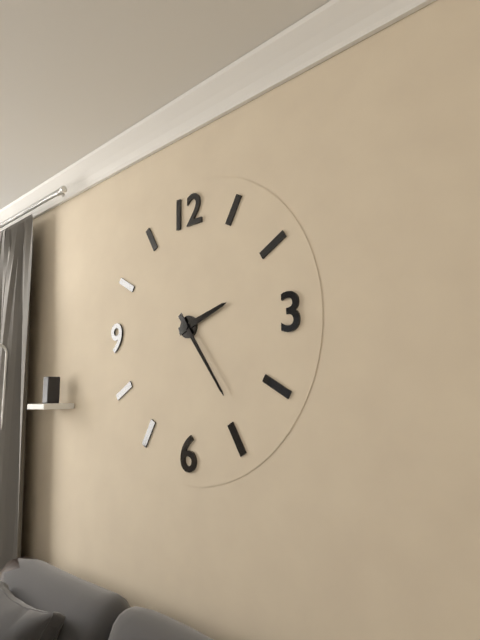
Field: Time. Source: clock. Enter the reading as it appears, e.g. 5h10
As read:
2h24
